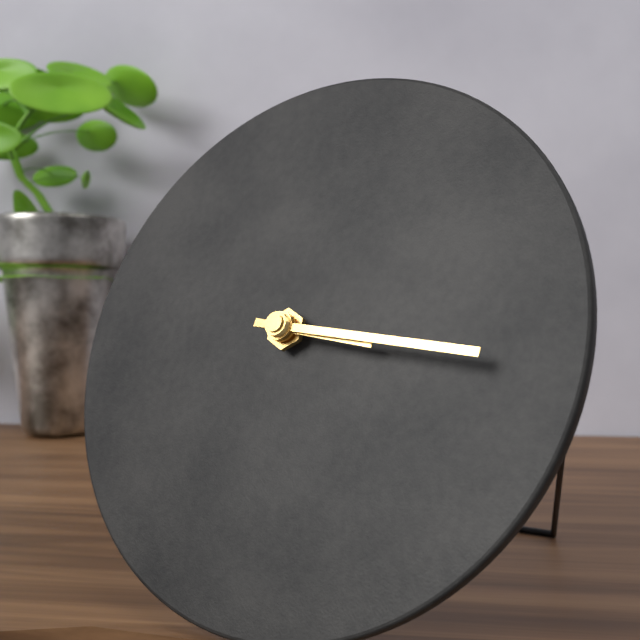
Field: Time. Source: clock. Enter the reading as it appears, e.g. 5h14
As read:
3h16
